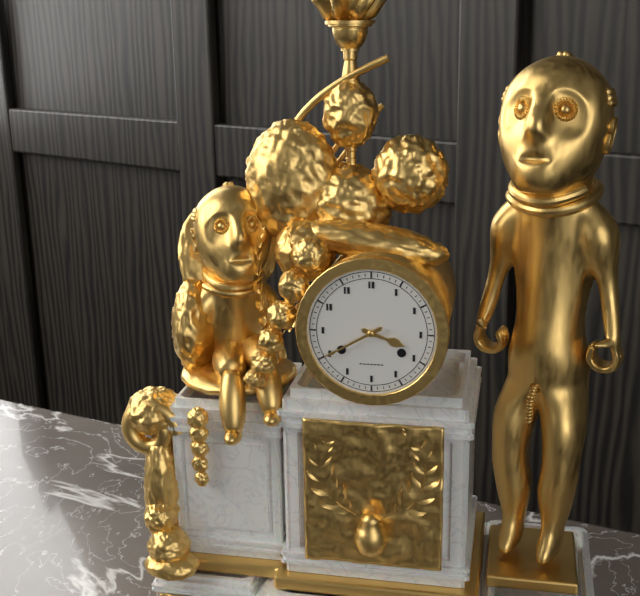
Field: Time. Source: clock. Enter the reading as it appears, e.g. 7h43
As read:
3h40
